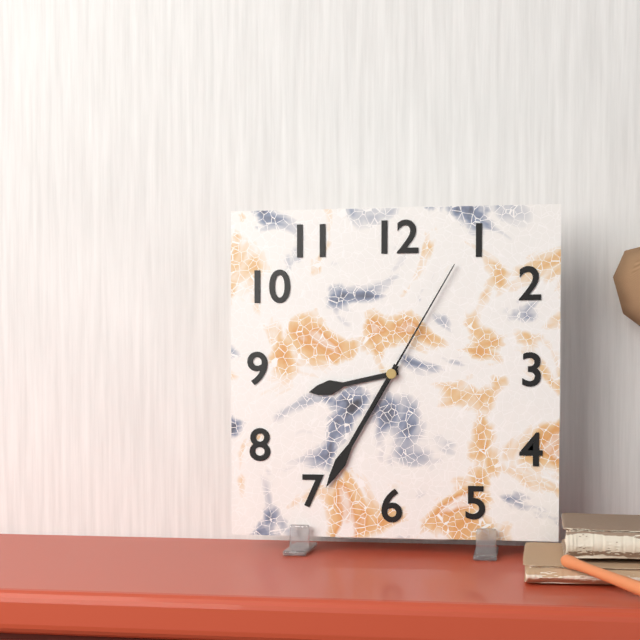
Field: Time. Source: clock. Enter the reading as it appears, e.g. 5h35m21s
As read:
8h35m05s
